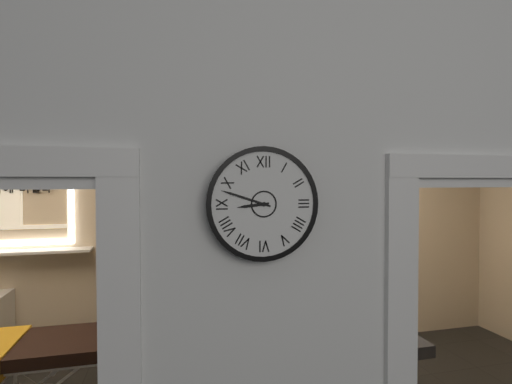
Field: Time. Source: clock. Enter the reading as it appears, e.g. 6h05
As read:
8h48
